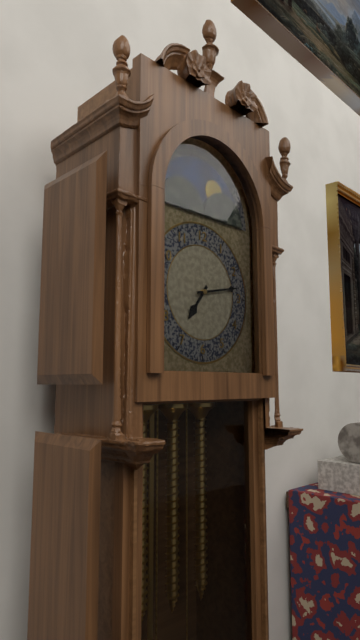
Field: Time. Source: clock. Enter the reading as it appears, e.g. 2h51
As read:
7h13
